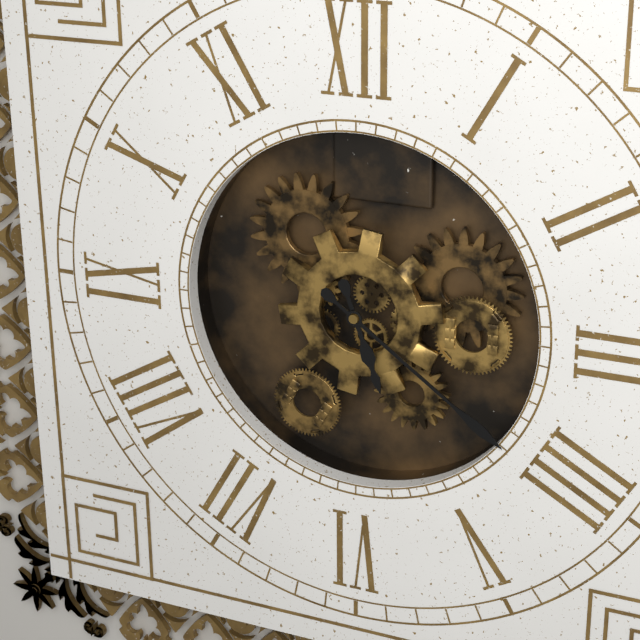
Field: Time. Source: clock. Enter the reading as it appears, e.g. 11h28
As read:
5h21
